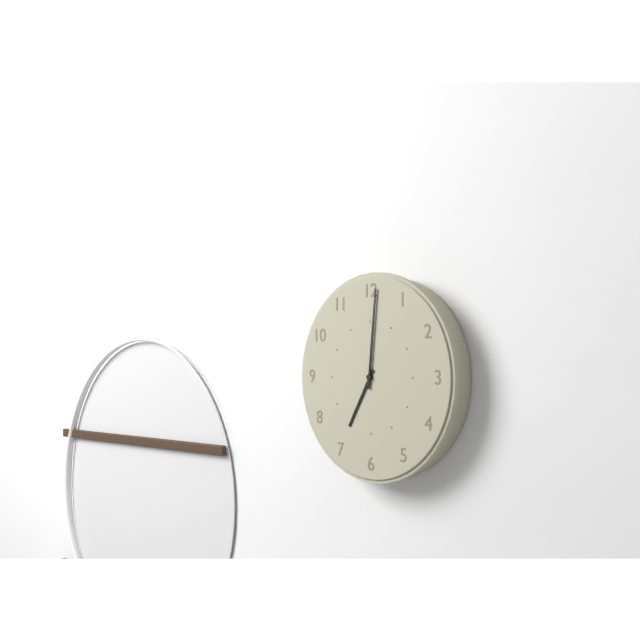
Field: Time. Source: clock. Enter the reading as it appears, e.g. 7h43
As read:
7h01
